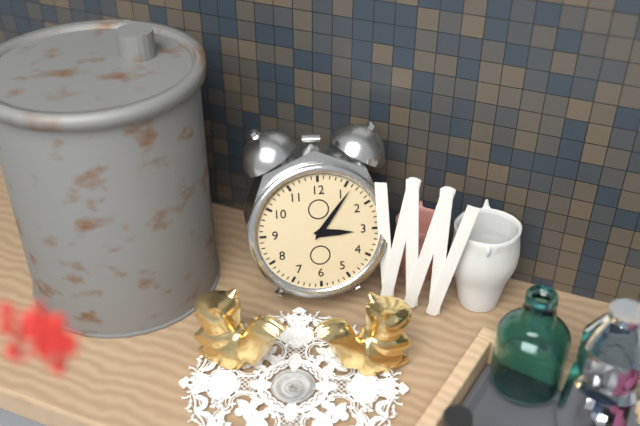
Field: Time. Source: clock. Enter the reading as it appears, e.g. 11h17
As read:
3h06
